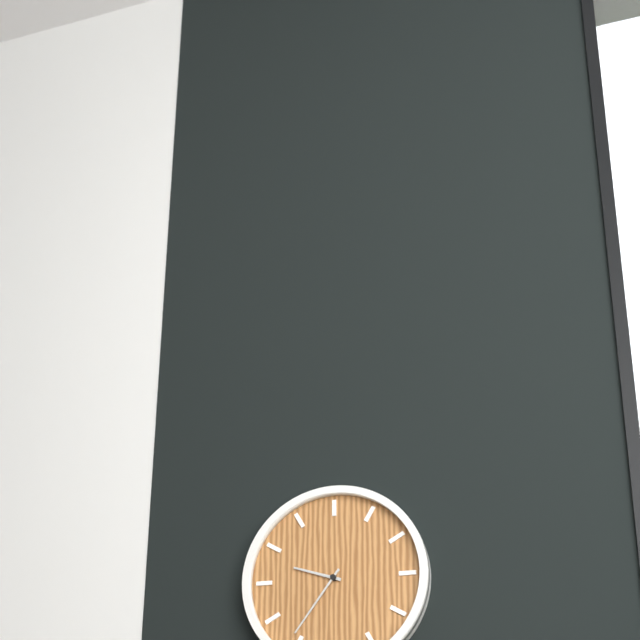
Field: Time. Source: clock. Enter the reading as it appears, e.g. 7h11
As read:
9h36
